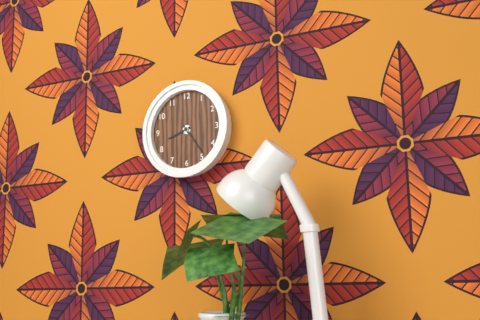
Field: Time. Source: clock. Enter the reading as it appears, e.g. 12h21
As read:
8h24
